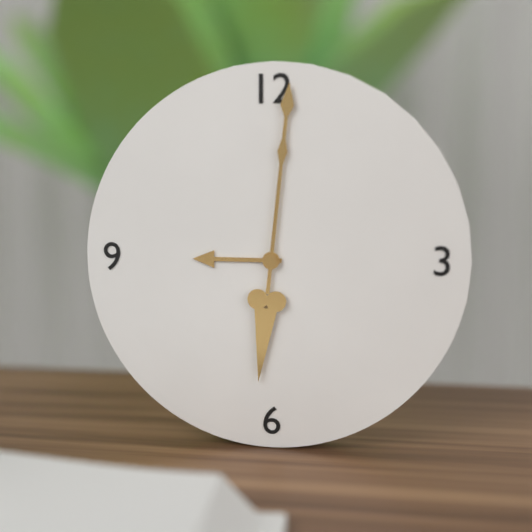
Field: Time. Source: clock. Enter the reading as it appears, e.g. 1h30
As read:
9h01
